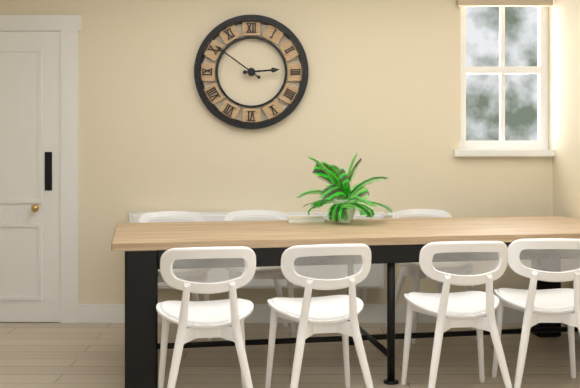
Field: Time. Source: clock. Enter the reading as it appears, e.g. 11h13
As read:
2h51
